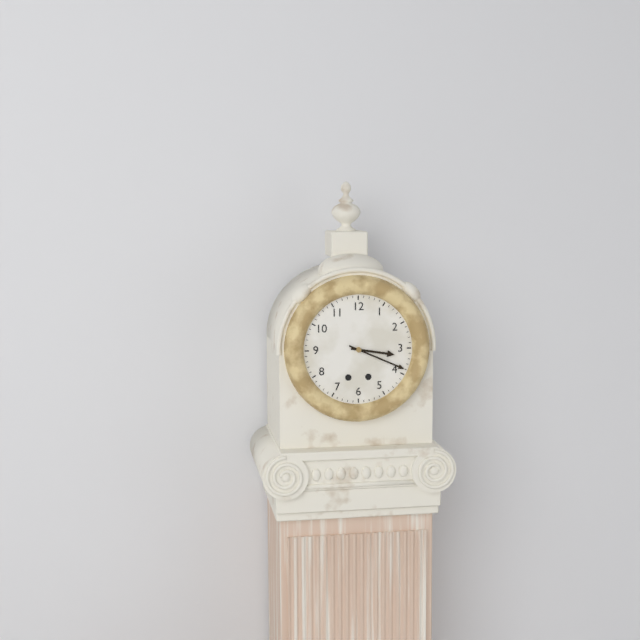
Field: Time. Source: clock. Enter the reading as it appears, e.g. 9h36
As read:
3h19
